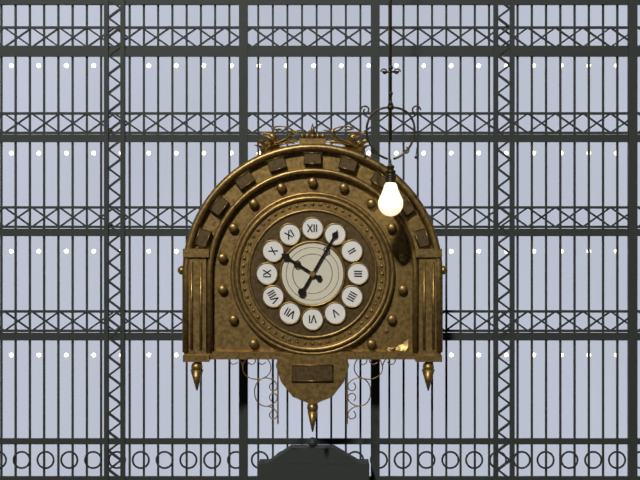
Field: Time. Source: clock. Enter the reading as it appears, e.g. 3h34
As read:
10h05
